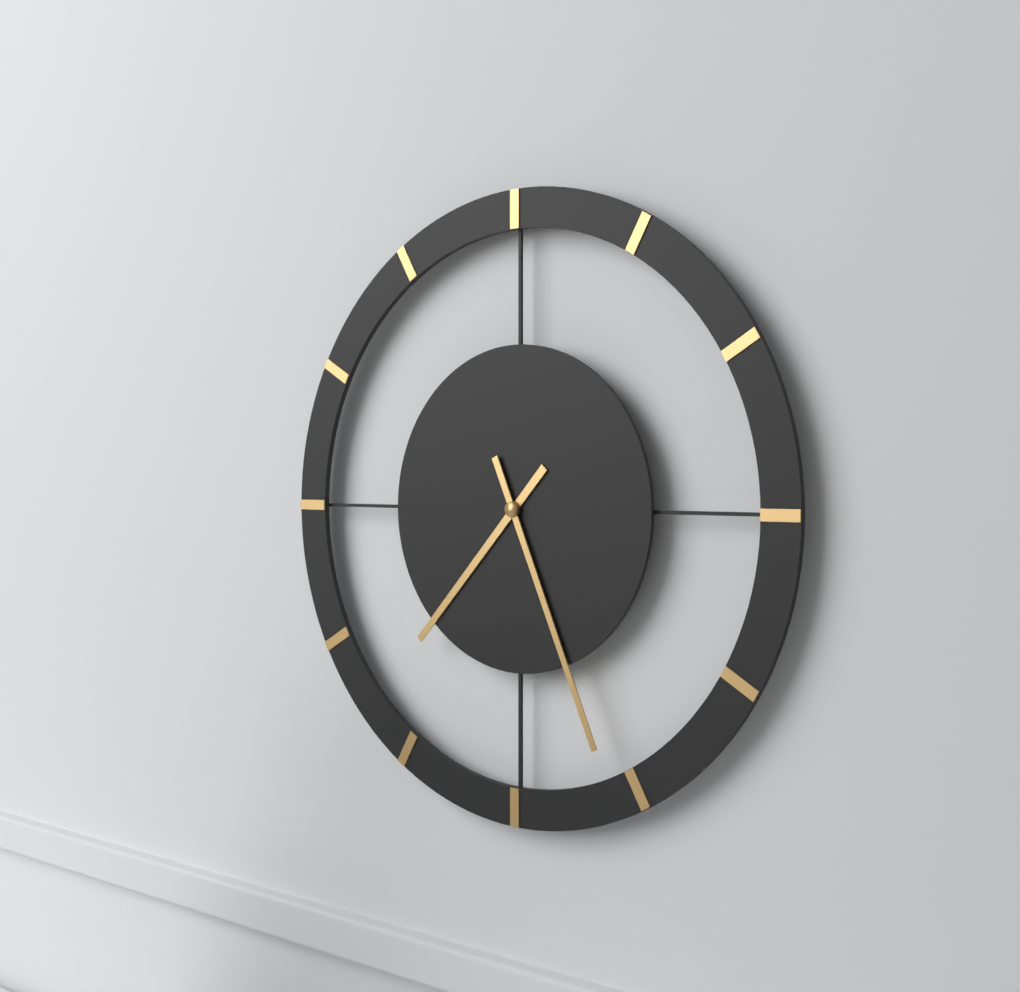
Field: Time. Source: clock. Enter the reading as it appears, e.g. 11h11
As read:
7h26
